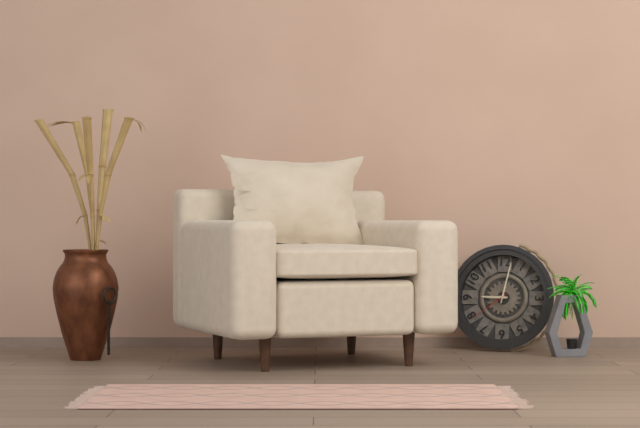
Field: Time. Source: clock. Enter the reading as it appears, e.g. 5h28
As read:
9h02
